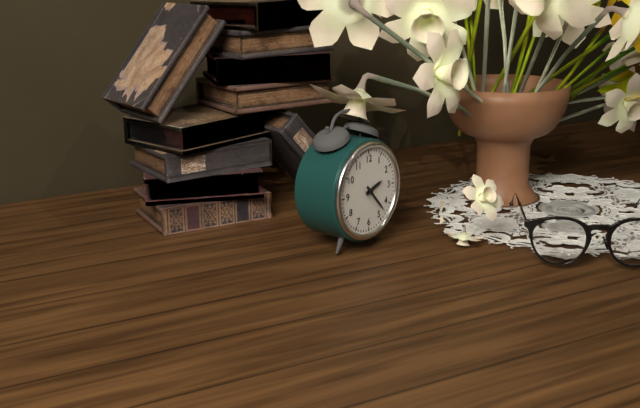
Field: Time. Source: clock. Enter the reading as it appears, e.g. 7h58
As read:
2h23
